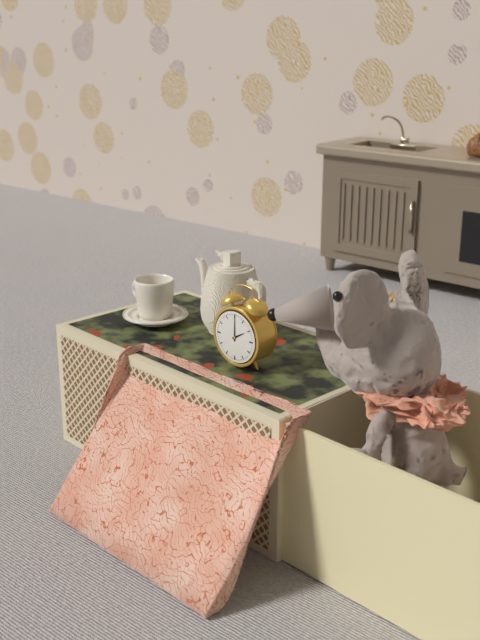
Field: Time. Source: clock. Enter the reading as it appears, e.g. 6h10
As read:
2h00
